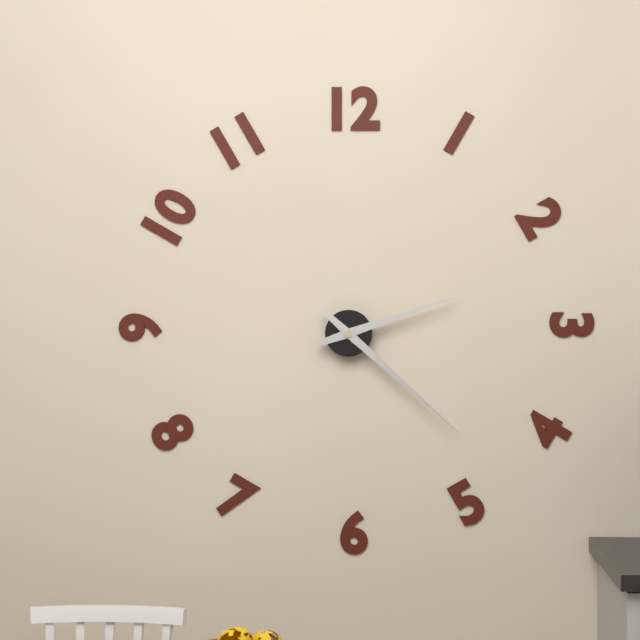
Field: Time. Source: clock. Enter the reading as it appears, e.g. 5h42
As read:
2h22
